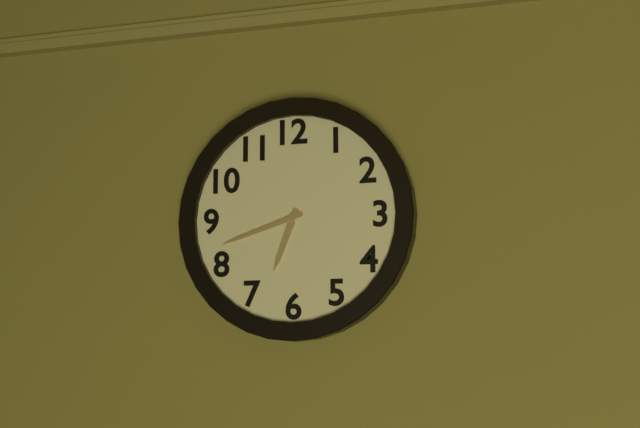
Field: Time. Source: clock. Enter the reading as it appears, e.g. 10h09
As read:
6h42
